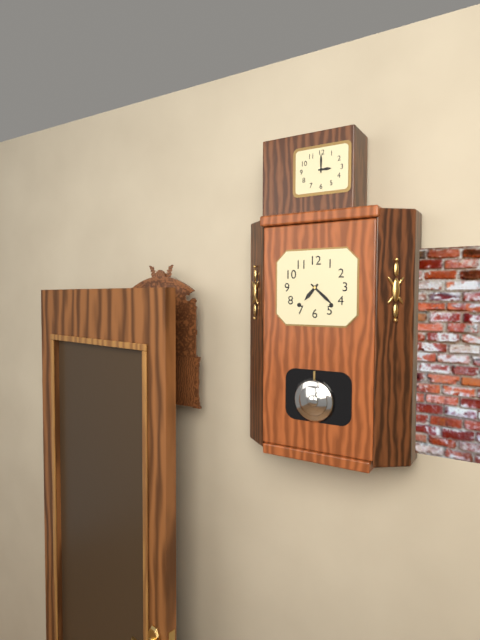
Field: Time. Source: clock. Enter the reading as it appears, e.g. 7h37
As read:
7h22
